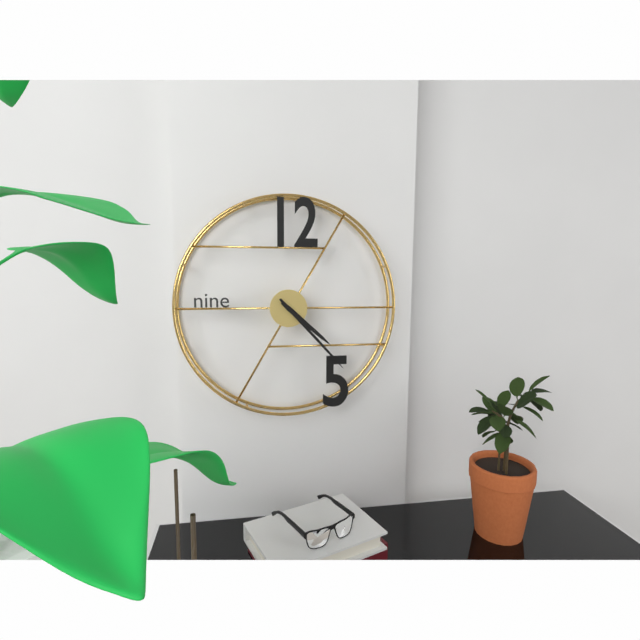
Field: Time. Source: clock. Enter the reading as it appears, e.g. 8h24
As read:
4h23
